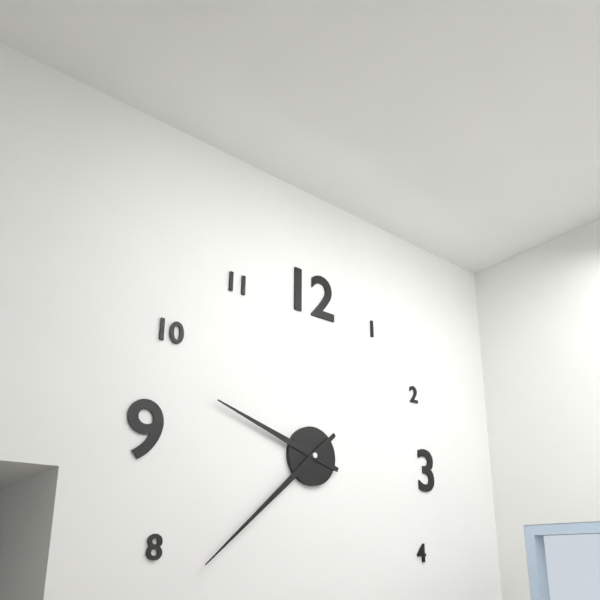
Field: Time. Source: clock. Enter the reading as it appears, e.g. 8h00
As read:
9h38
